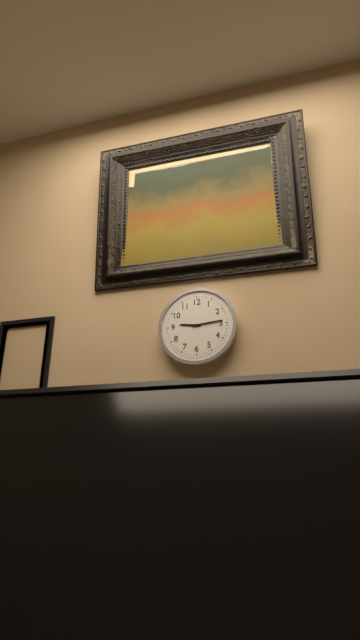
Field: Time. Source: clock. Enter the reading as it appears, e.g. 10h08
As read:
9h14
